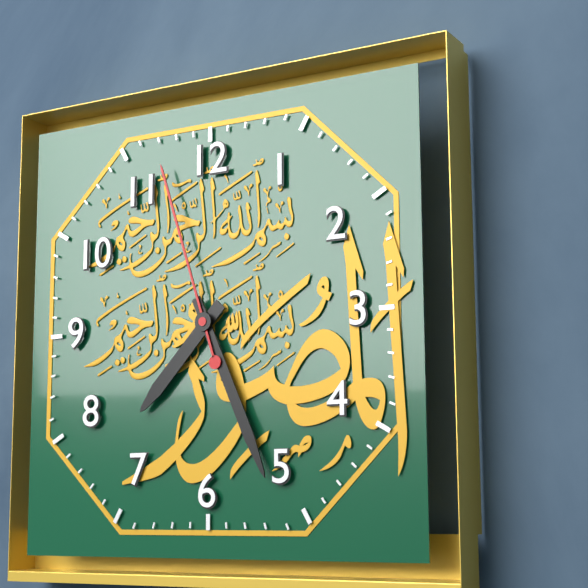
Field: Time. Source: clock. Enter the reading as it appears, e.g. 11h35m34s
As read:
7h26m57s
